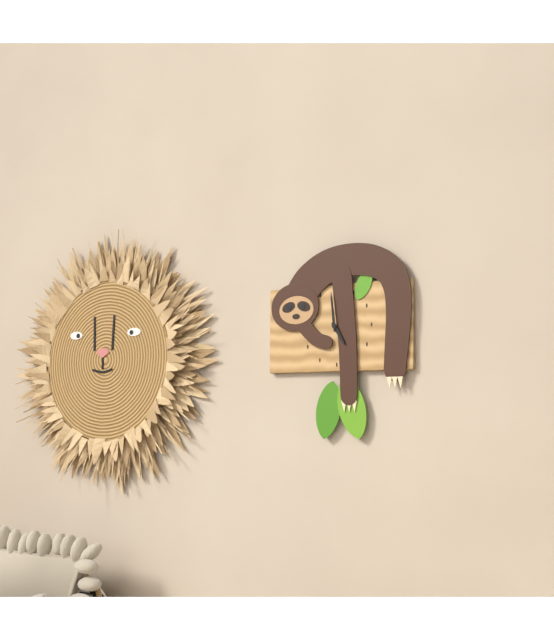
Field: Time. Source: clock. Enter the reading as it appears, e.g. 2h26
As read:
4h59
